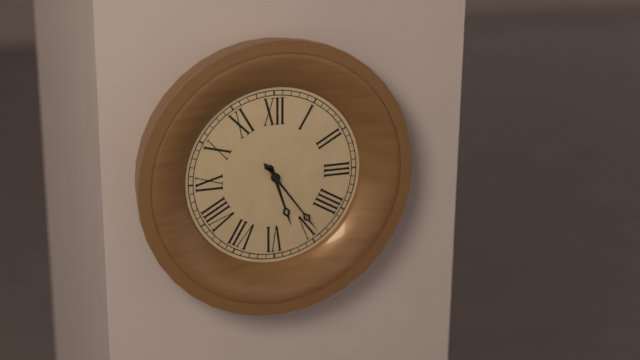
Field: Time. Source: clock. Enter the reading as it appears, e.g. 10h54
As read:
5h24
